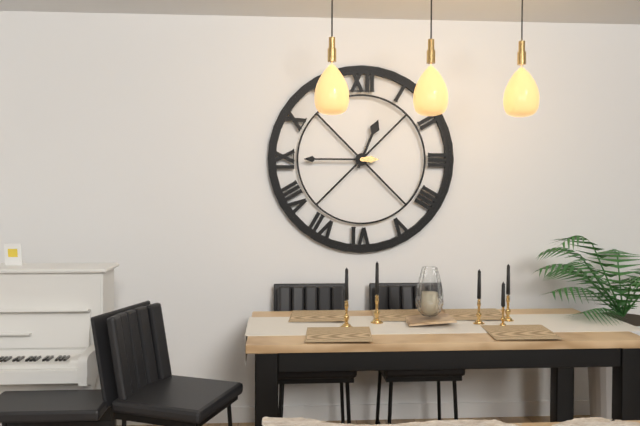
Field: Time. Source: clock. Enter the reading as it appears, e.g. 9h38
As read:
12h45
